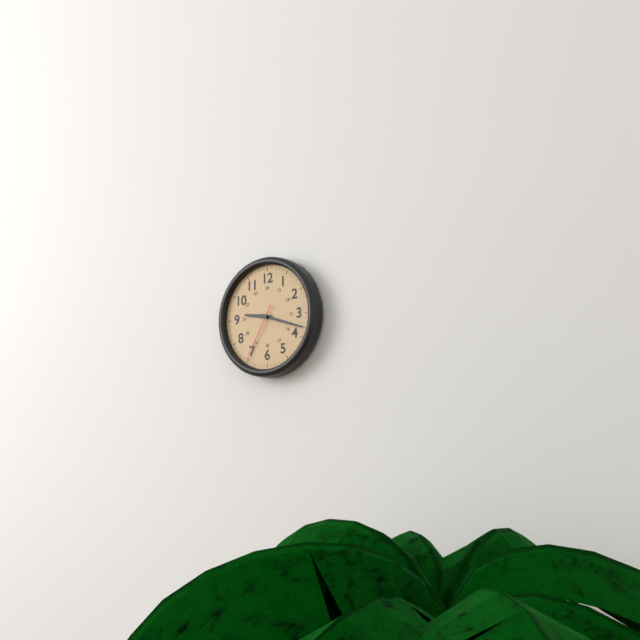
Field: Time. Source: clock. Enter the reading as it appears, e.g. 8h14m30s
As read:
9h18m35s
